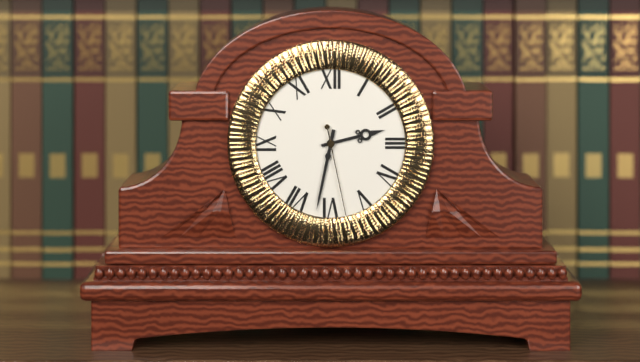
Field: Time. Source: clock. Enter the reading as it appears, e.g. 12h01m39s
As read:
2h32m28s
